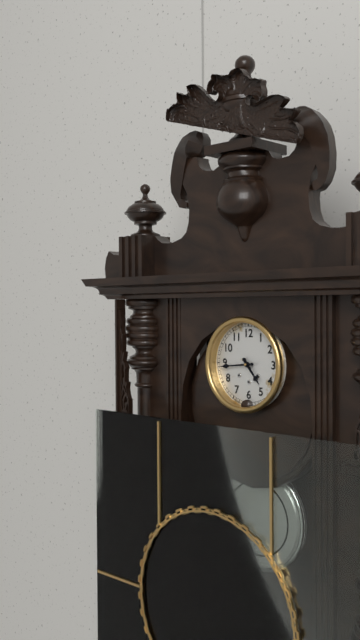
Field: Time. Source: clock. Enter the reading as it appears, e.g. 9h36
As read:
4h44
